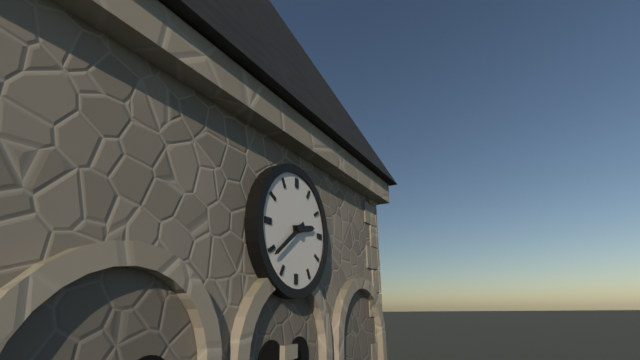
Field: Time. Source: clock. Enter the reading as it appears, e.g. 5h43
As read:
2h39
